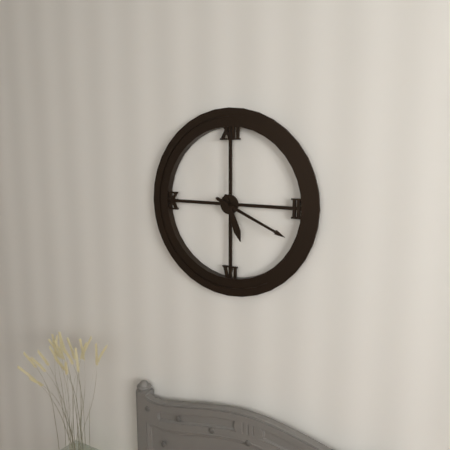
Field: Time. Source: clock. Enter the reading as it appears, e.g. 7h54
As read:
5h19
